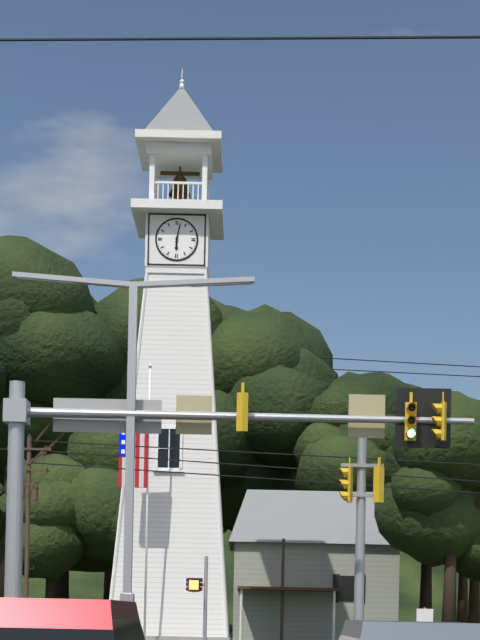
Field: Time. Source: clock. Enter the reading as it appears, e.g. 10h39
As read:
6h02
